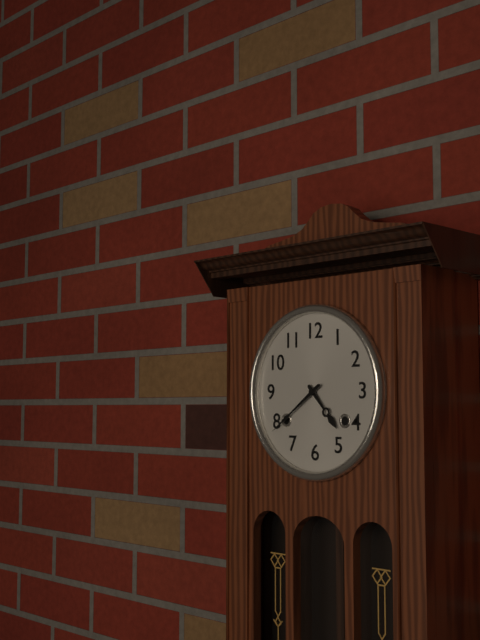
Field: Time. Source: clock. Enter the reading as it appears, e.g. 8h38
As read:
4h39
